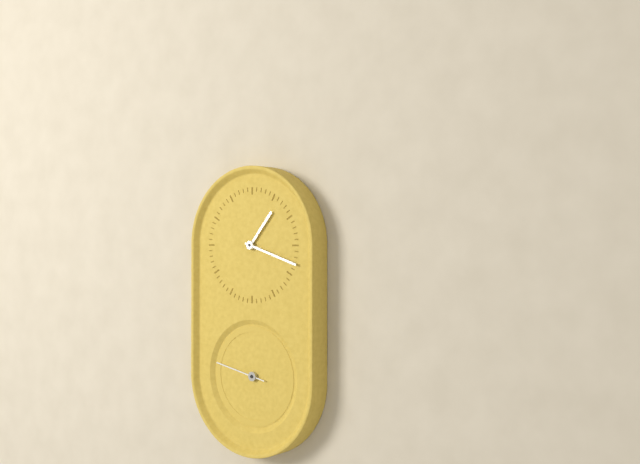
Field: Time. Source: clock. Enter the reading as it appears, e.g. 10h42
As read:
1h18
